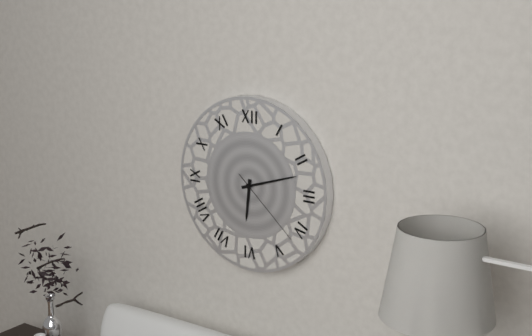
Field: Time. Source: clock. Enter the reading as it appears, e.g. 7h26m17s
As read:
6h12m22s
